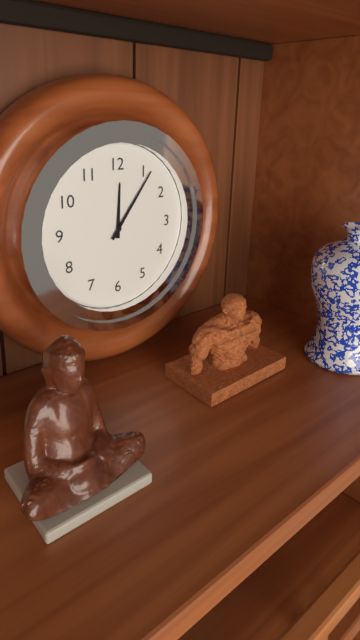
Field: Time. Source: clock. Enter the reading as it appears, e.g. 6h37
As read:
12h06
